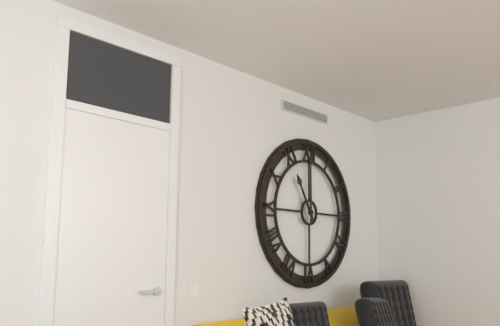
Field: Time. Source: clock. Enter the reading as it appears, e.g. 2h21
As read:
11h00
